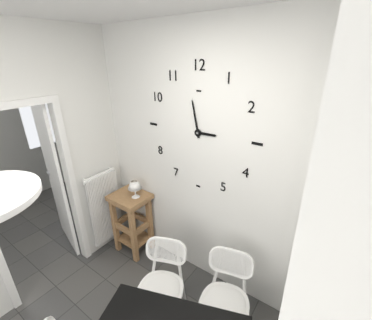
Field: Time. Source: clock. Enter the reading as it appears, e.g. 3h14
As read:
2h58
